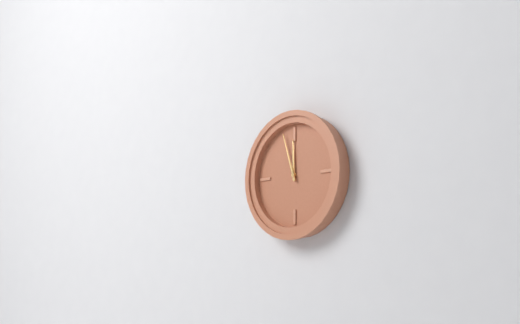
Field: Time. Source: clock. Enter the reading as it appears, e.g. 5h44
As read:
11h57
